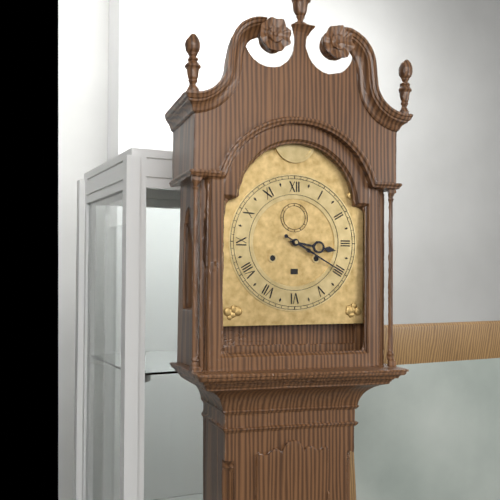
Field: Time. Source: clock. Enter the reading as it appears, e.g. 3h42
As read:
3h20
